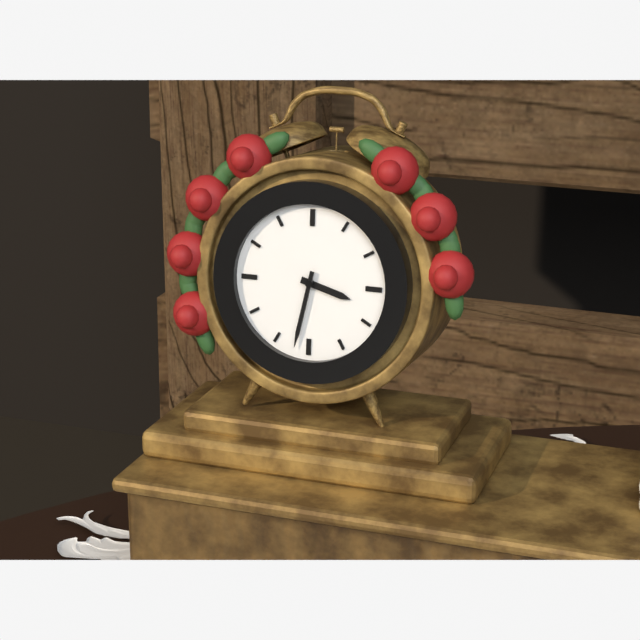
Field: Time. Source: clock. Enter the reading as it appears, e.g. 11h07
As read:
3h32
